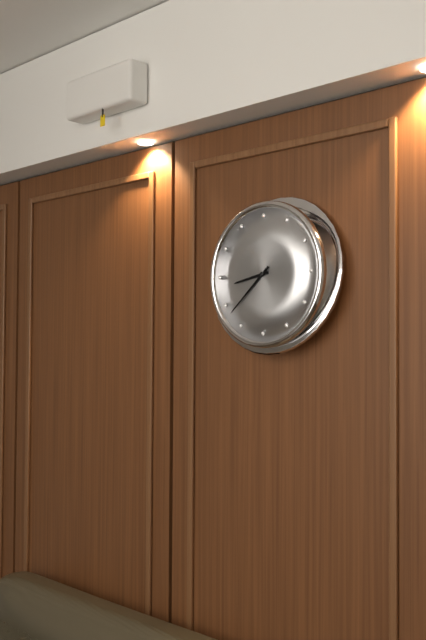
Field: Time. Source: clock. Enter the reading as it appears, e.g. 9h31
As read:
8h38
